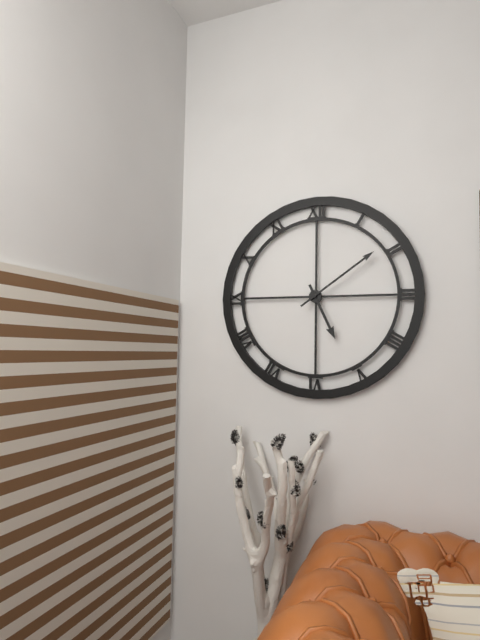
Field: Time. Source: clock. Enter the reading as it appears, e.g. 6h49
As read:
5h09
